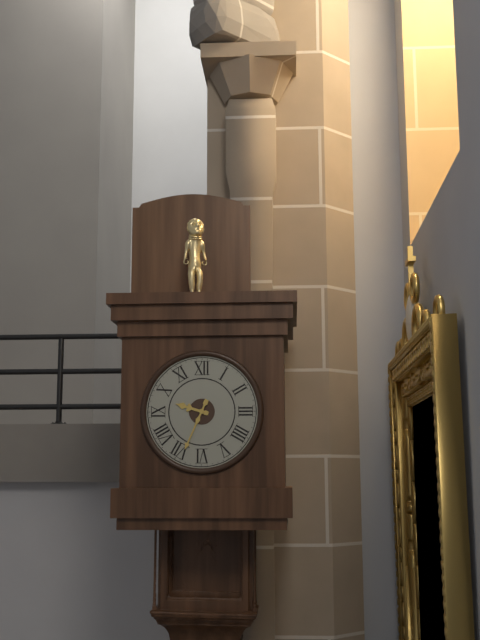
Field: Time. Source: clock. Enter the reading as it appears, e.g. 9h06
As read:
9h34
